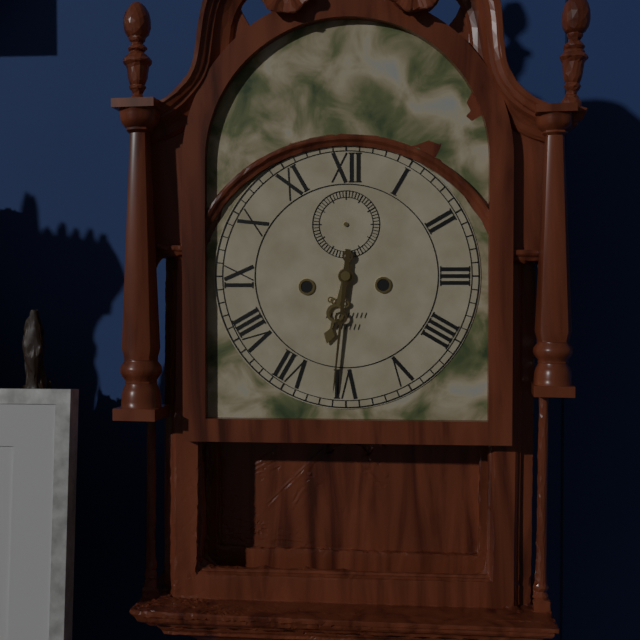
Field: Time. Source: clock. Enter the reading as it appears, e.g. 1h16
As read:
6h31
